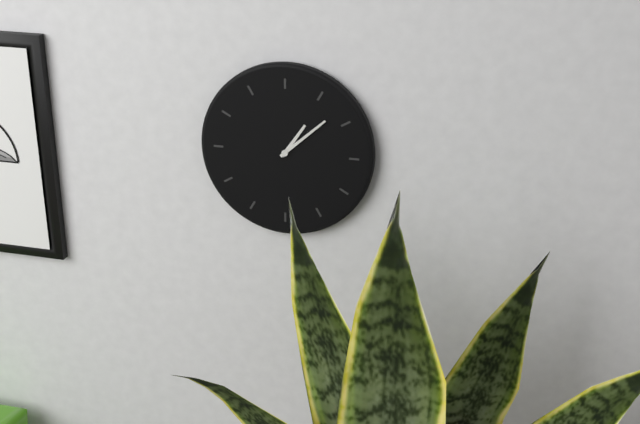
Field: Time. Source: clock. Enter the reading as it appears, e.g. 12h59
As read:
1h08
